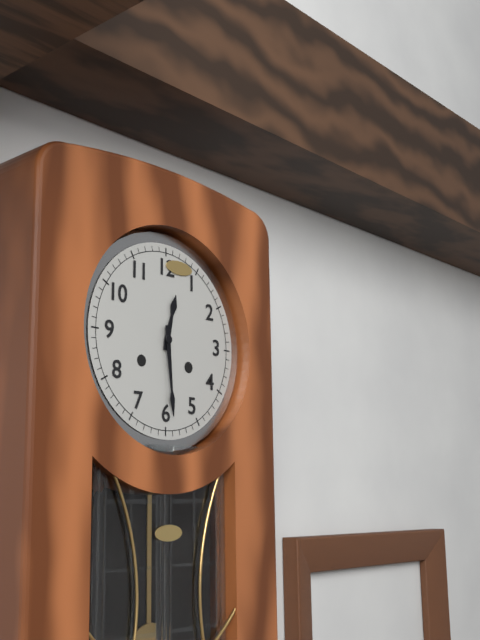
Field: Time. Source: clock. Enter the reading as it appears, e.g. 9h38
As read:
12h29
